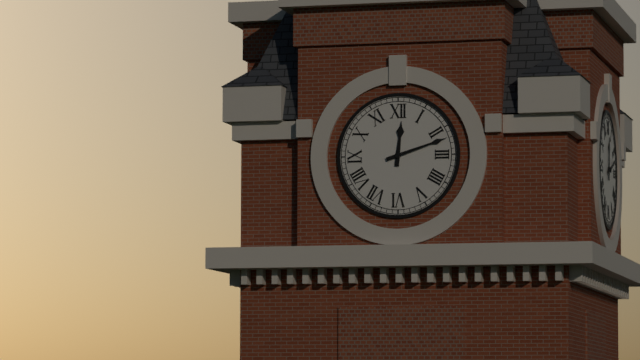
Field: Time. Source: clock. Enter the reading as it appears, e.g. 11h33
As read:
12h12
